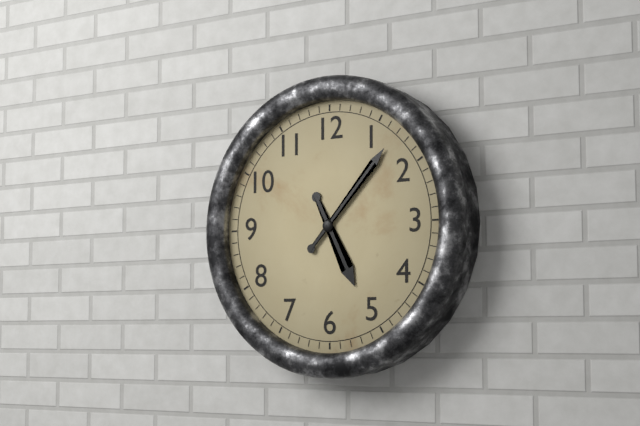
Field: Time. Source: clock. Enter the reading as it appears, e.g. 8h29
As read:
5h07
